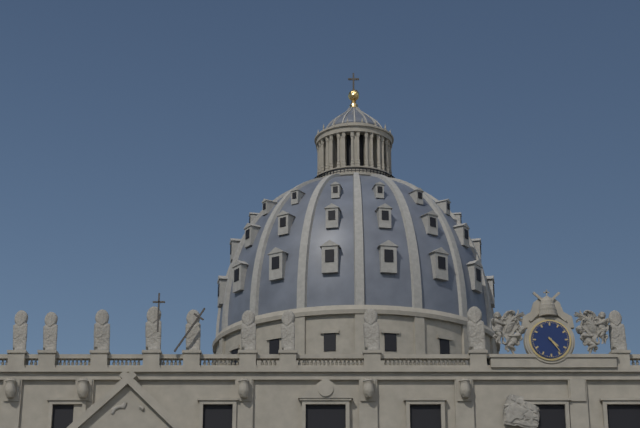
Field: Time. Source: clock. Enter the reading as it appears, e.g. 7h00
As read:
4h24
